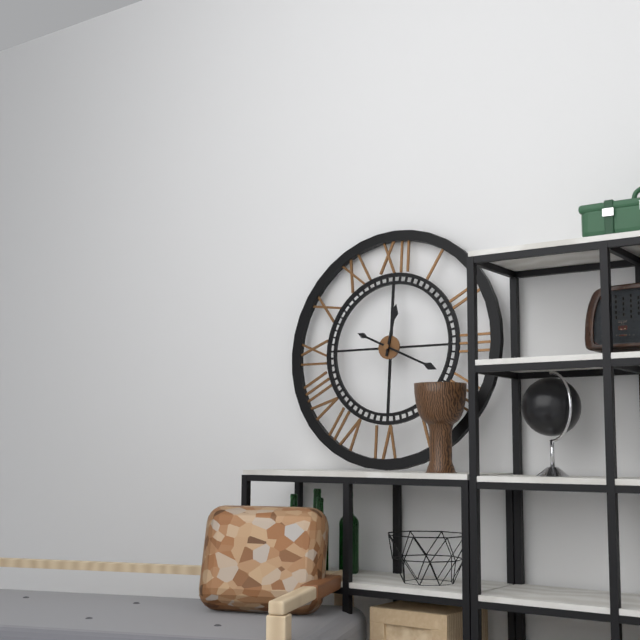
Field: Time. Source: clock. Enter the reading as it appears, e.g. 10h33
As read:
12h19
